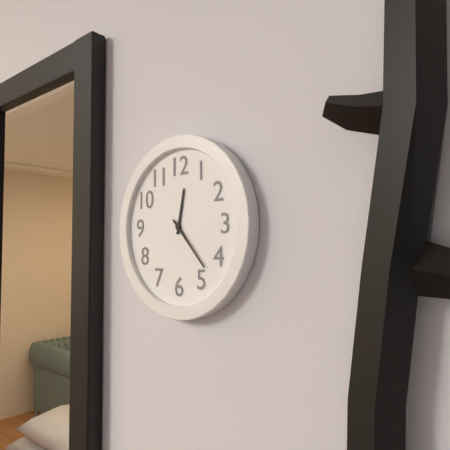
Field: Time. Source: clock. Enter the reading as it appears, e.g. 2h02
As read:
12h23
